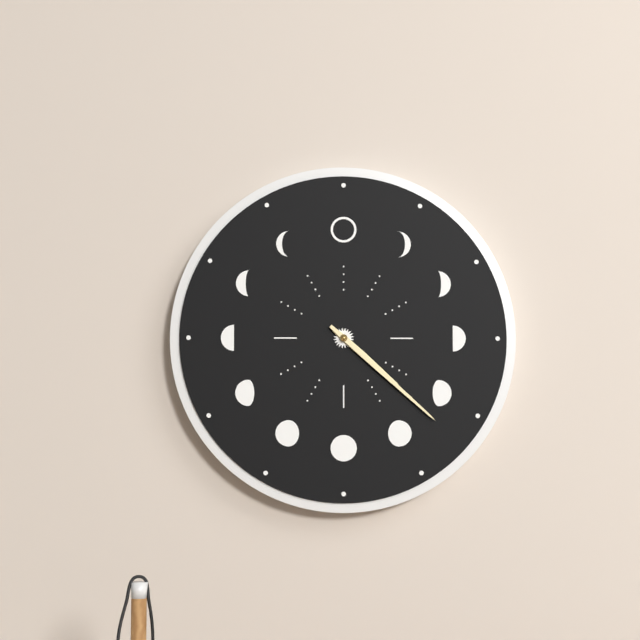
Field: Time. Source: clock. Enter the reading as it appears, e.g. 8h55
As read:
4h22
